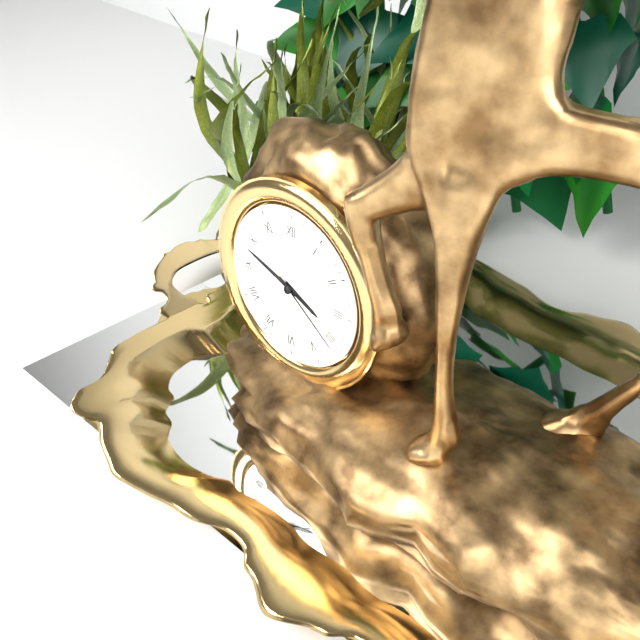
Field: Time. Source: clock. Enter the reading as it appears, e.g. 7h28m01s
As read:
3h48m21s
